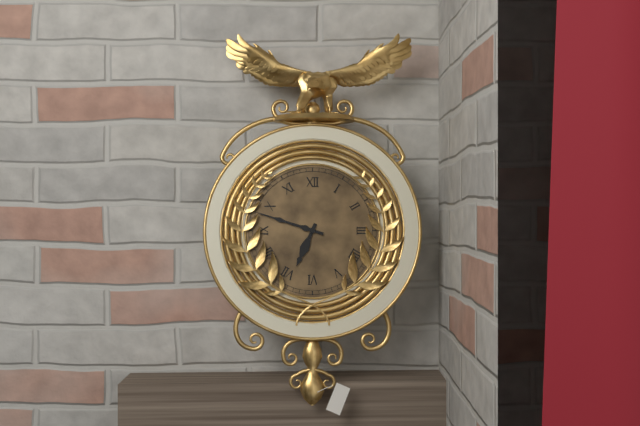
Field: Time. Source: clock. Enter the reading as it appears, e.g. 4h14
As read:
6h48
